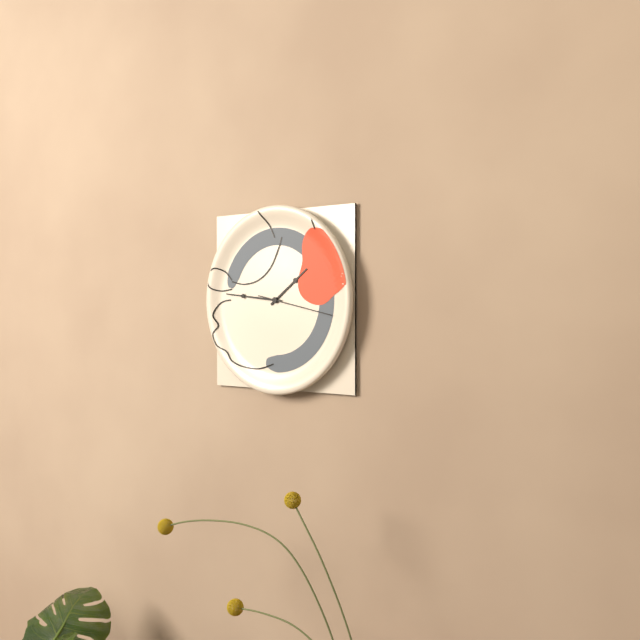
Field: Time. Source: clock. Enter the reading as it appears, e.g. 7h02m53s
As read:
1h46m17s
